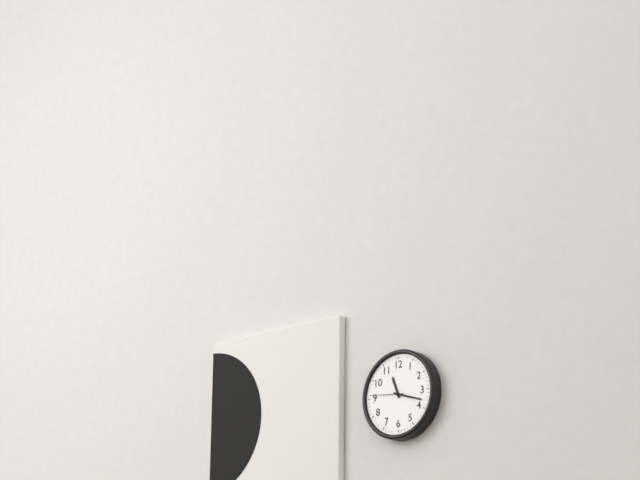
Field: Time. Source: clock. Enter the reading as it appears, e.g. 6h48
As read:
11h18
